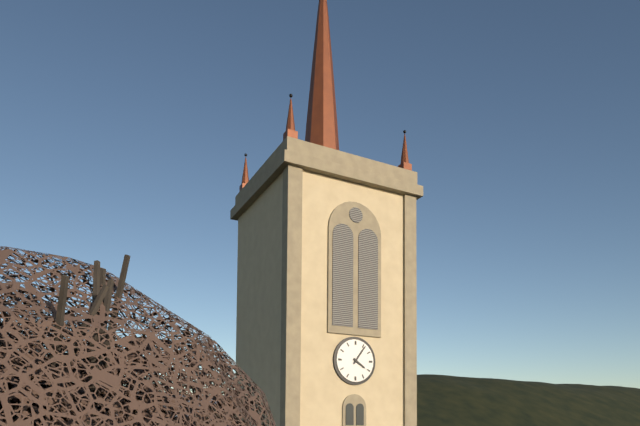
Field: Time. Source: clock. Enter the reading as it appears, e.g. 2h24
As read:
4h06
